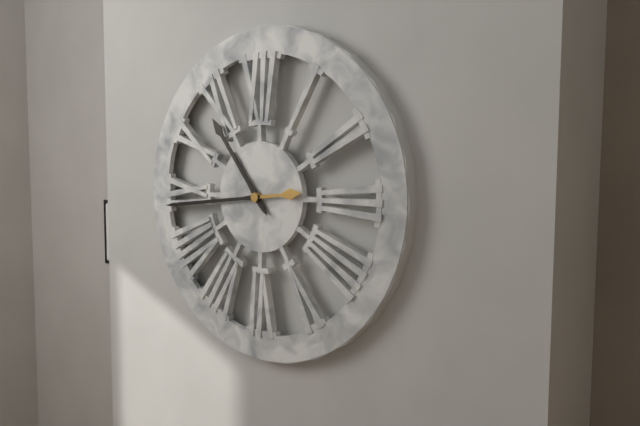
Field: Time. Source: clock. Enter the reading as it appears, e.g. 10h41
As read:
10h44
